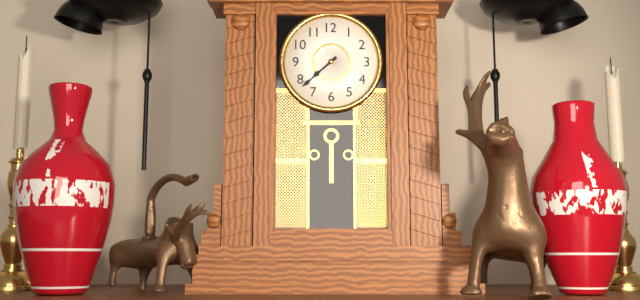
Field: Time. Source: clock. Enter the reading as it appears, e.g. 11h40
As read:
7h38
